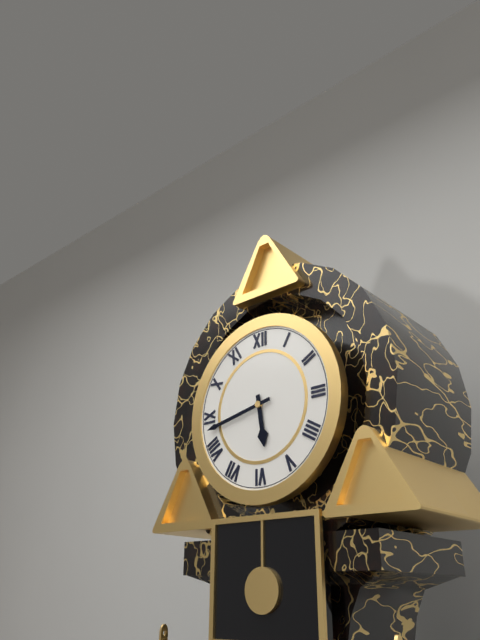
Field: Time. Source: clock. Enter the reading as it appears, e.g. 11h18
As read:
5h43
